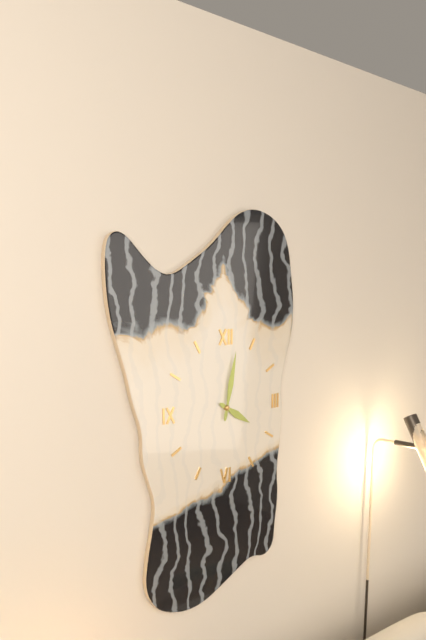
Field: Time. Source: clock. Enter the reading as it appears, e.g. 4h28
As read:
4h02
